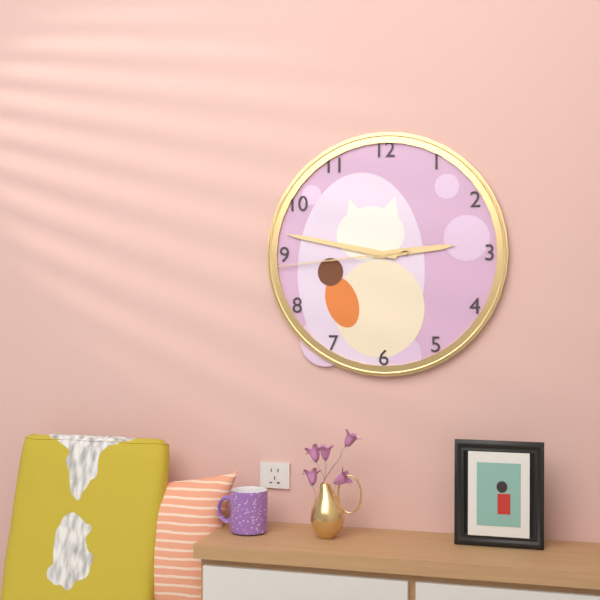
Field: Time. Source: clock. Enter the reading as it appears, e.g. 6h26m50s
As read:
2h47m44s
